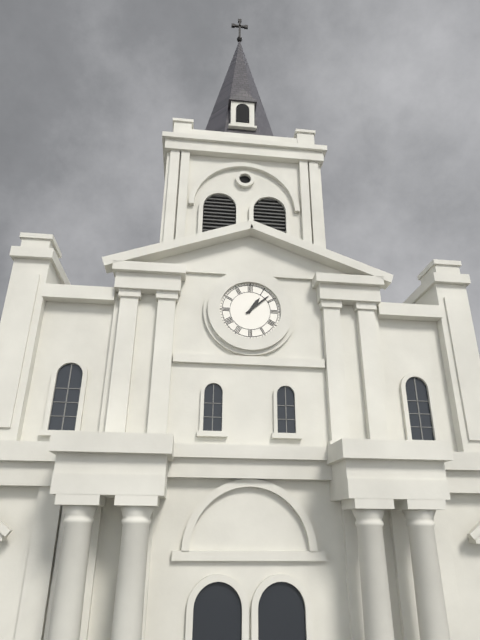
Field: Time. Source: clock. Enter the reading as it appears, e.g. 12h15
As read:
1h08
